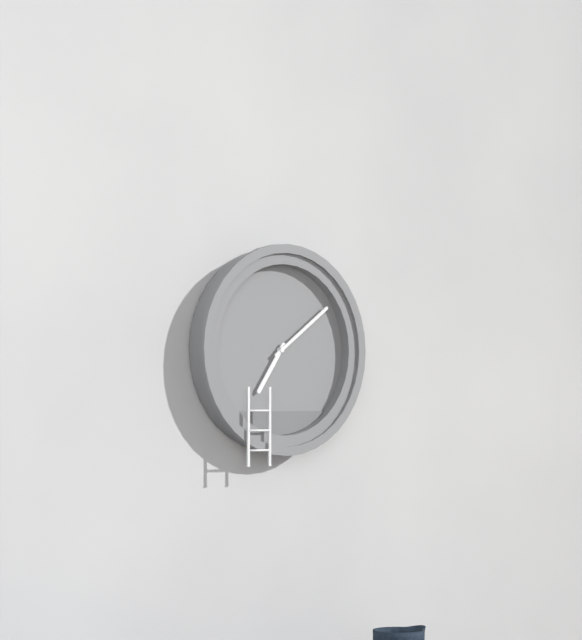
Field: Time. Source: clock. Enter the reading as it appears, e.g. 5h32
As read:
7h09
